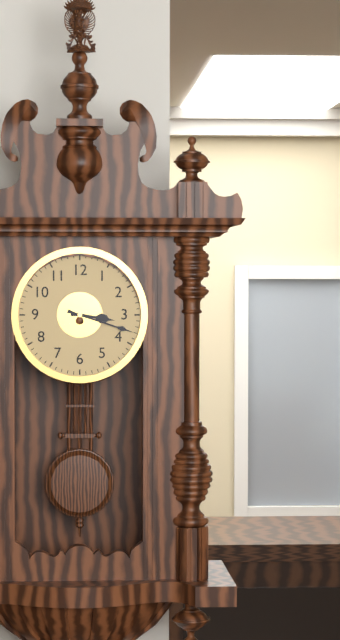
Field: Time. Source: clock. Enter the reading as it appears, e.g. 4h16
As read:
3h18
